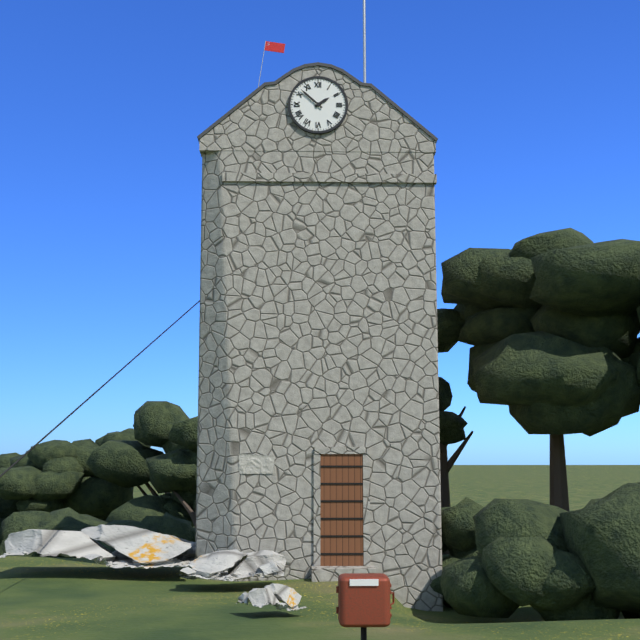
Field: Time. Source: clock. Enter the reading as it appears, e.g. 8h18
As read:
1h52
